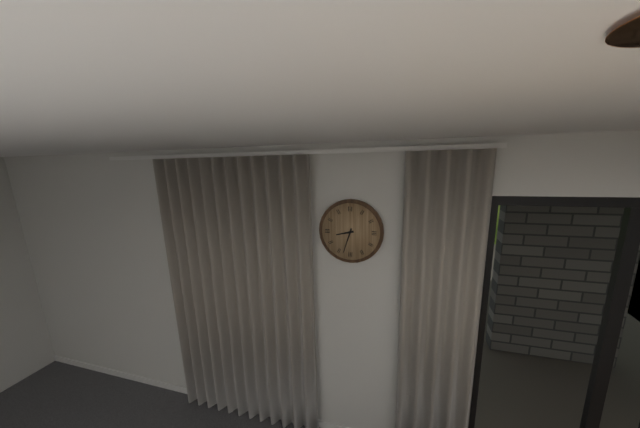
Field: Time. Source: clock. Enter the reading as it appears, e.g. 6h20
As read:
8h33
